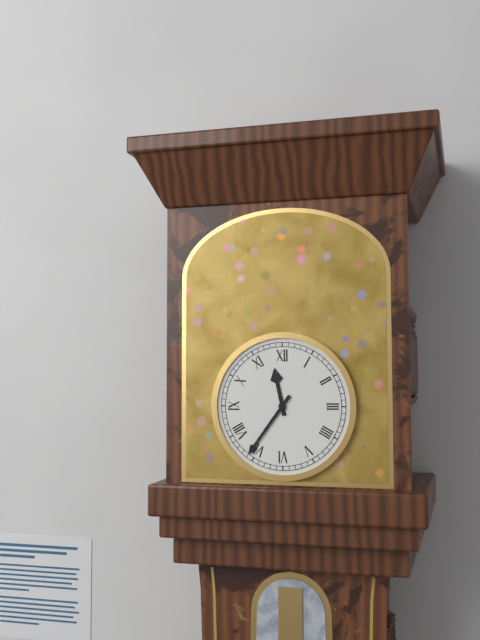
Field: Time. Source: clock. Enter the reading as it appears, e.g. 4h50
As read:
11h36
